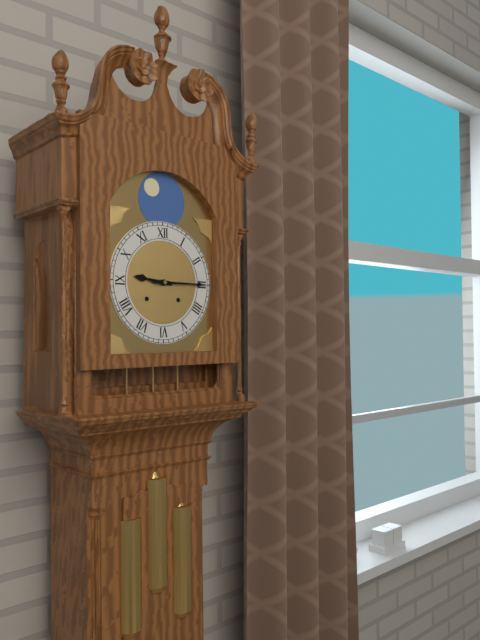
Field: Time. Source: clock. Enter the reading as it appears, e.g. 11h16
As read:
9h15
